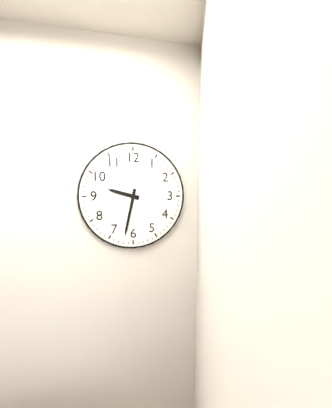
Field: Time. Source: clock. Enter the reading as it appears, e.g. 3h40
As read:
9h32
